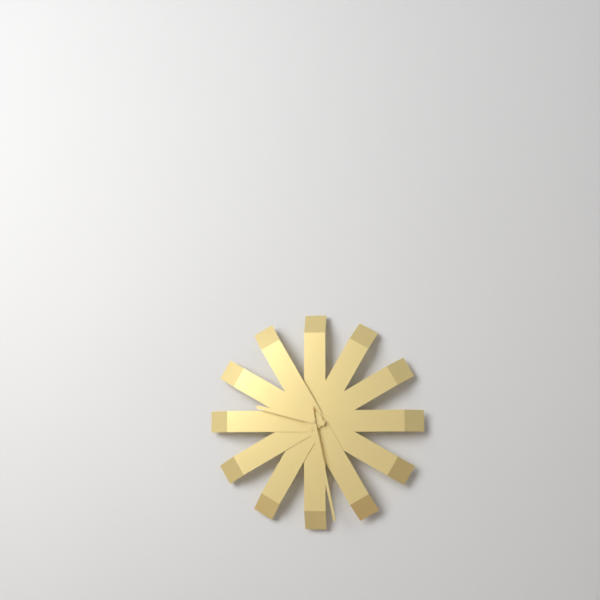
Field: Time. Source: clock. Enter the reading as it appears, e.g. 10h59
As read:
9h28
